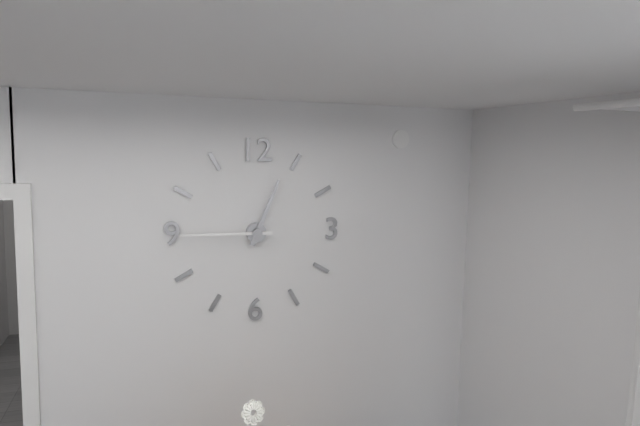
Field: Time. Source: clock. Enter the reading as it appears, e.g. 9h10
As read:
12h45
